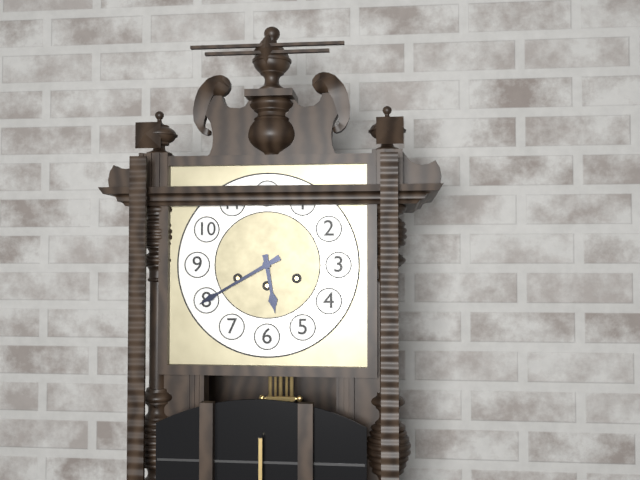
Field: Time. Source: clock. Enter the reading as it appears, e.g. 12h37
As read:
5h40
